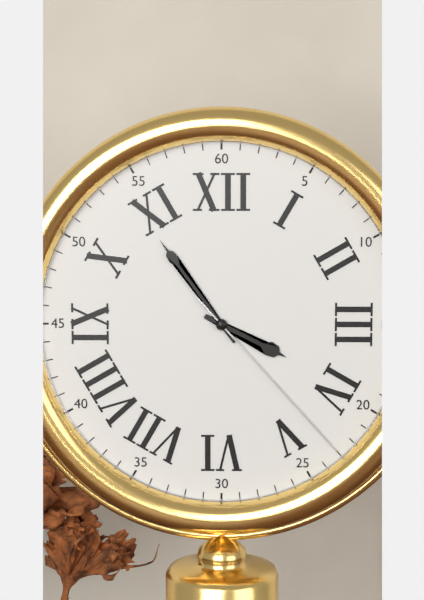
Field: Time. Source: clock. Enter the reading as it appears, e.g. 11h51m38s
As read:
3h54m23s
